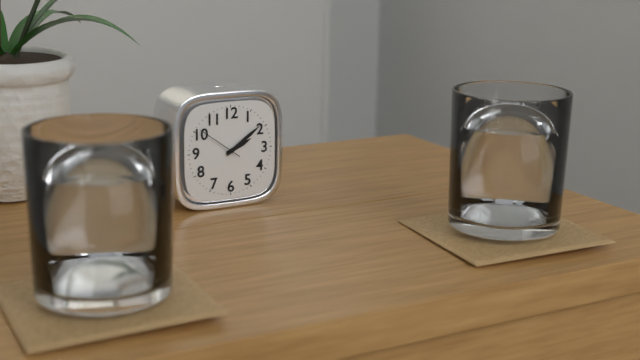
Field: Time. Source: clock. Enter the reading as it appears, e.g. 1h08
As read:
2h09
